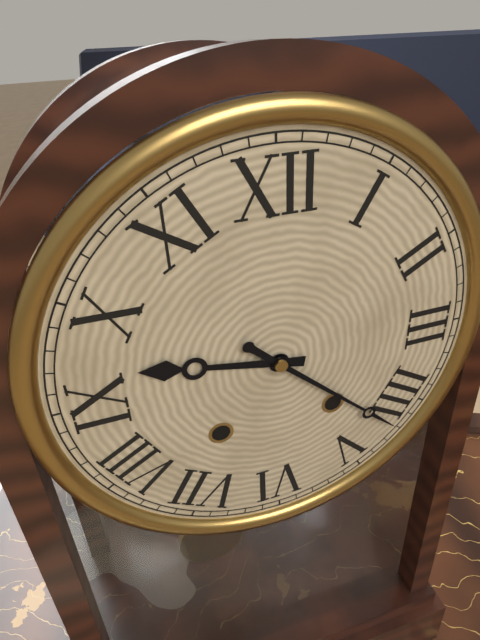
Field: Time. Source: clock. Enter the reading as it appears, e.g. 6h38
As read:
9h22
